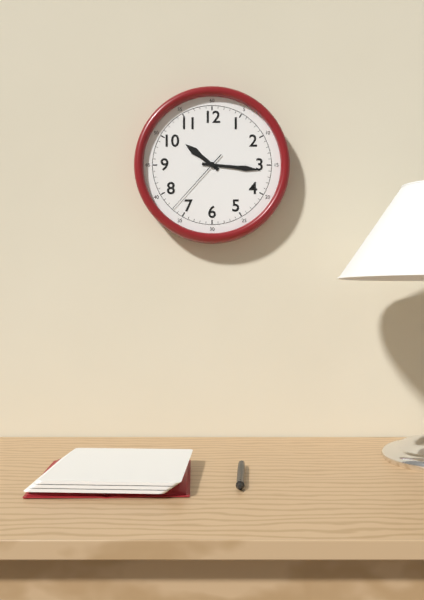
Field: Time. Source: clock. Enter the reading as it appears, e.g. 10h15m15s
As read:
10h16m37s
